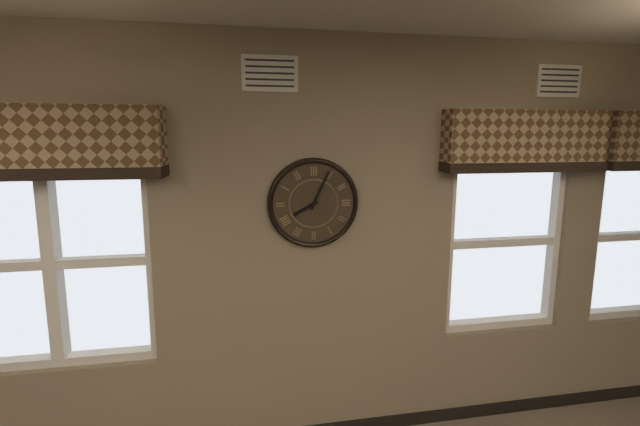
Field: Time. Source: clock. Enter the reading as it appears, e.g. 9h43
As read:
8h04
